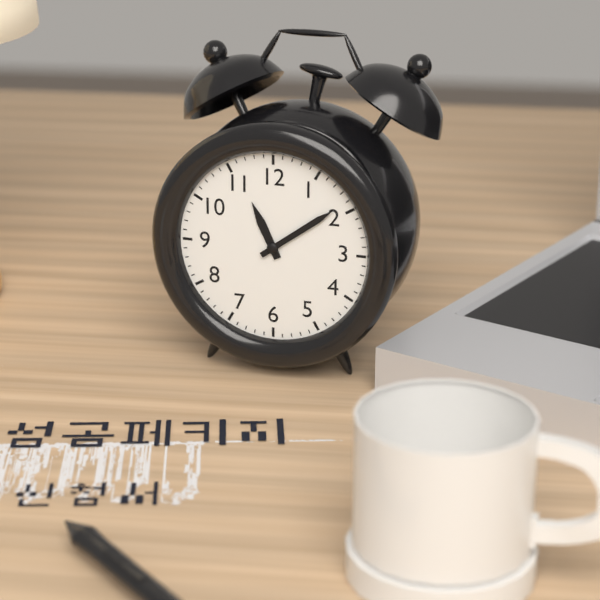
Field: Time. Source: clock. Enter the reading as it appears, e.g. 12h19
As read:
11h09
